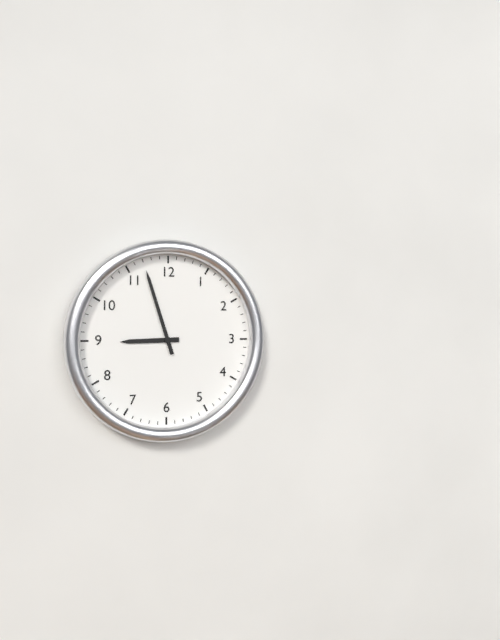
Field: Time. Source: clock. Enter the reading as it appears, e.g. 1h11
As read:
8h57
